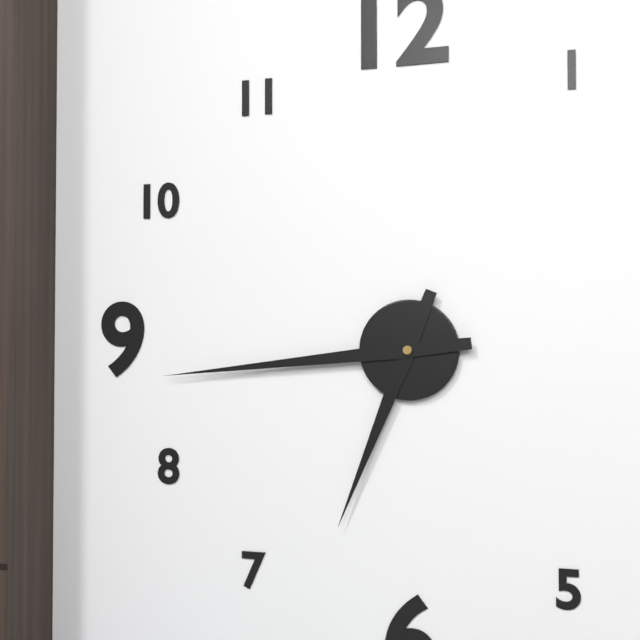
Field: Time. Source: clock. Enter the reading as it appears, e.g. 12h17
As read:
6h44
